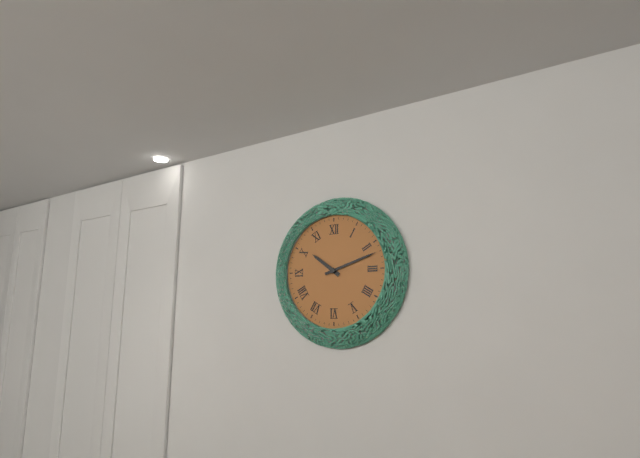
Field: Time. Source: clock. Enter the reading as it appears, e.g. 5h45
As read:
10h12
